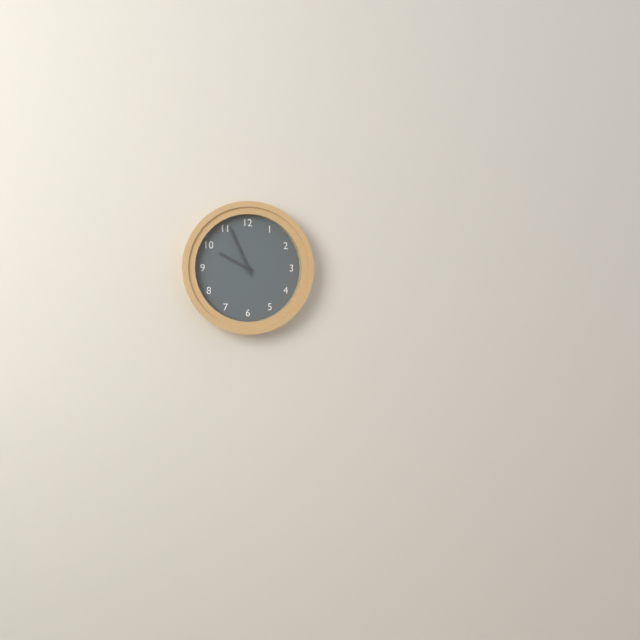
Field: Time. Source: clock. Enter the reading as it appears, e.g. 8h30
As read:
9h56
